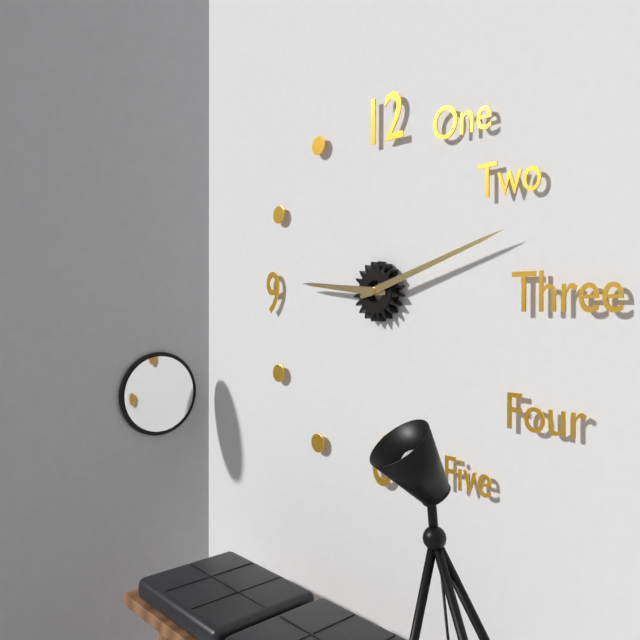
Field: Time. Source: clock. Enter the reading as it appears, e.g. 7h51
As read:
9h12
